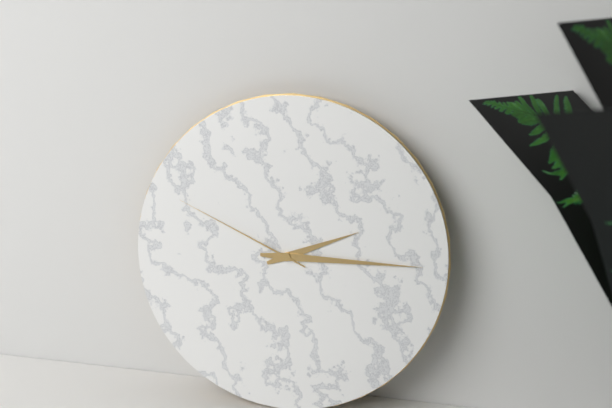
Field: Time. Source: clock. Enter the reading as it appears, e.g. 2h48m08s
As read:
2h15m49s
